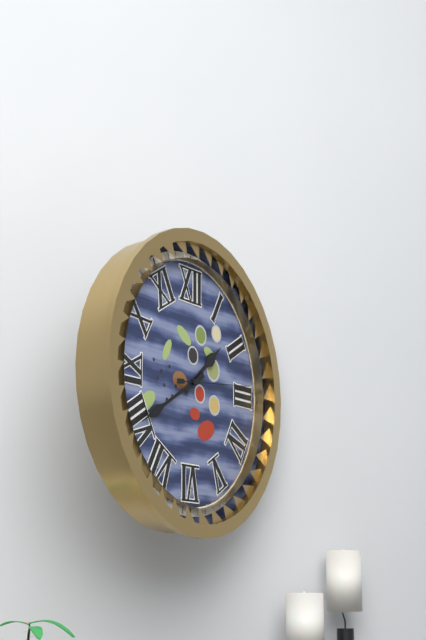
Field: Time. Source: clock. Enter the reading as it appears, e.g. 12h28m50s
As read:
1h40m14s
